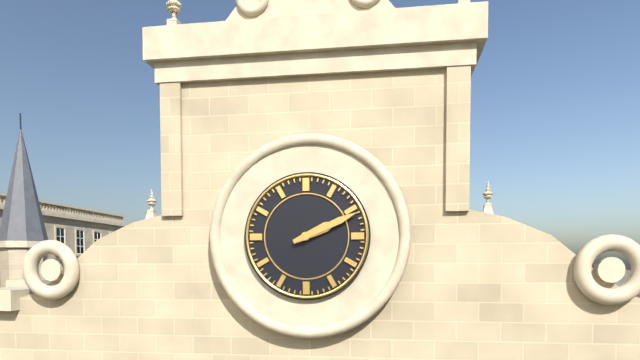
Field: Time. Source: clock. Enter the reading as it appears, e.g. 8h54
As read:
2h11
